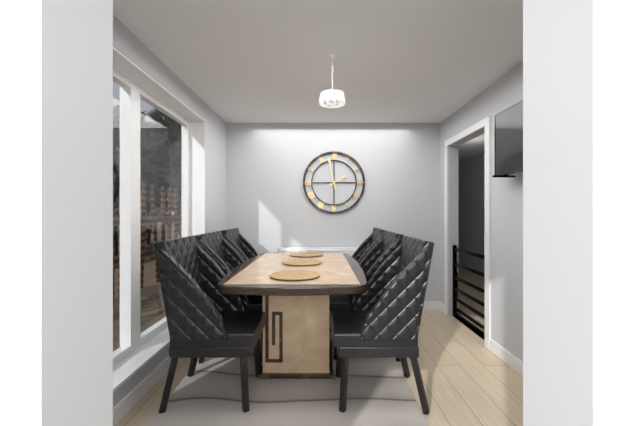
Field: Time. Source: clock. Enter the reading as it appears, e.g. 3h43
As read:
1h58
